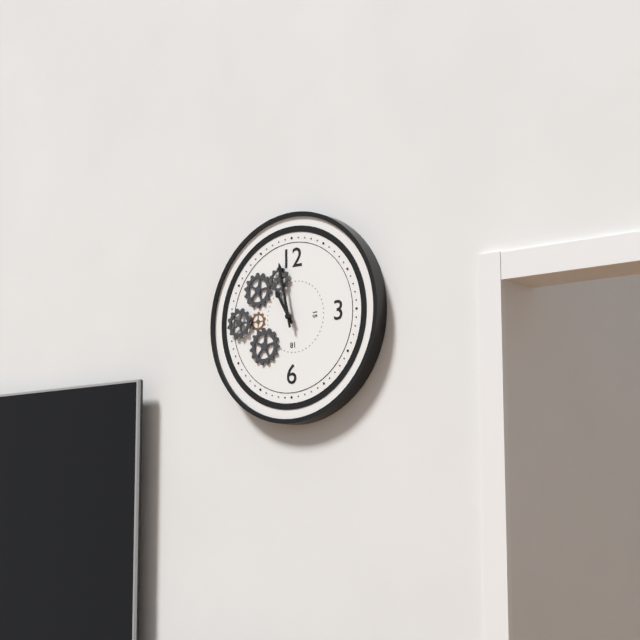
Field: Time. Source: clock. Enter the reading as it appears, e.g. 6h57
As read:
10h58
